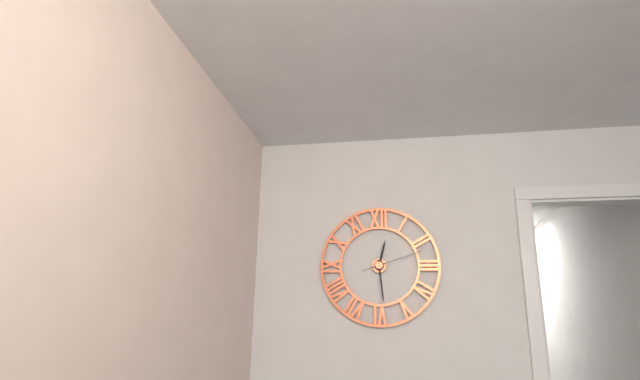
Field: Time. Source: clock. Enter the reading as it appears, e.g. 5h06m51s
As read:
12h29m12s
